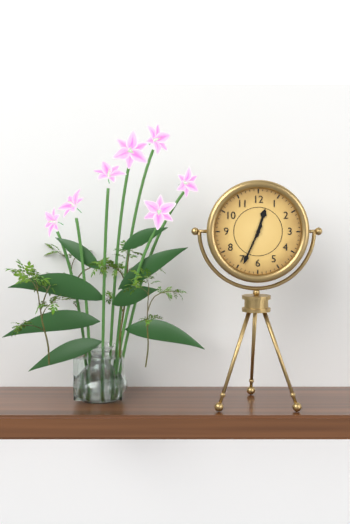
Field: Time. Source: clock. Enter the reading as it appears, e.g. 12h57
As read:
12h34
